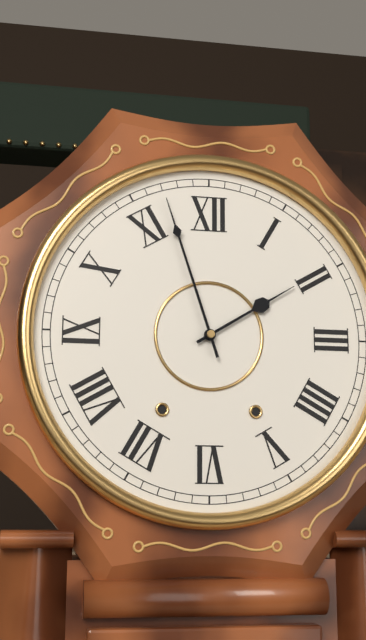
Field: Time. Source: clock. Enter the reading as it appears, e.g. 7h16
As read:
1h57
